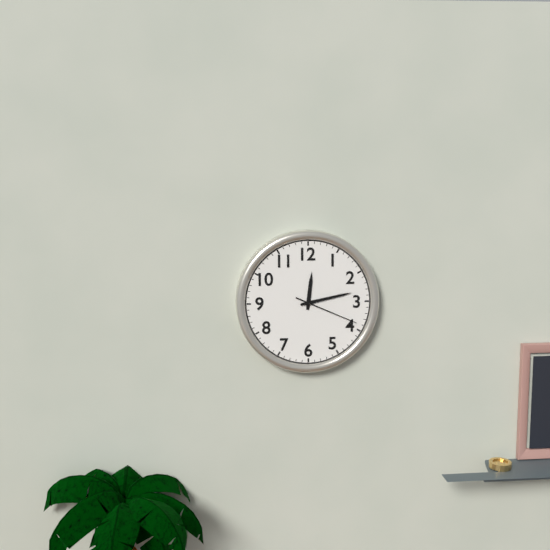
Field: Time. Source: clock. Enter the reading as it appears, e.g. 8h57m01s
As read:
12h13m19s
